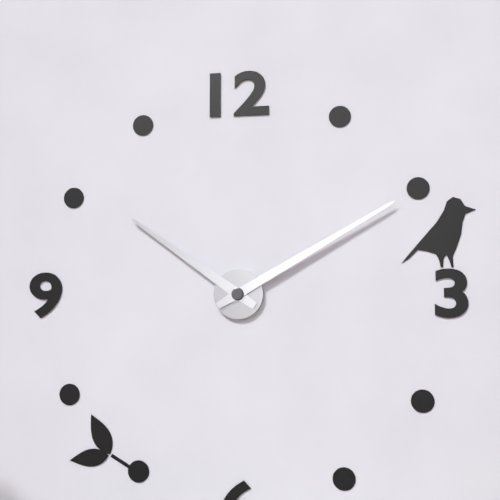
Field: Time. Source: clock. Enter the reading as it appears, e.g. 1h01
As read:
10h10
